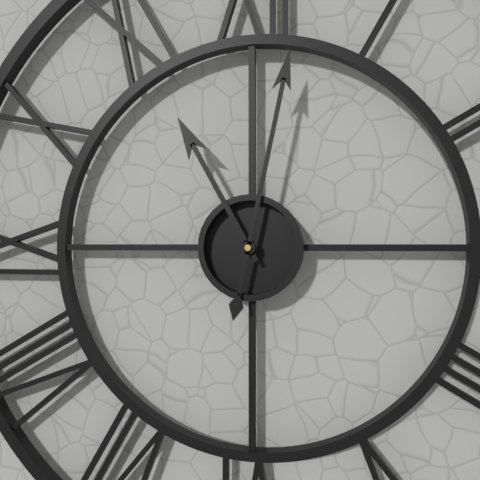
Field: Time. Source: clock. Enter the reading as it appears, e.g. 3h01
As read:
11h02
